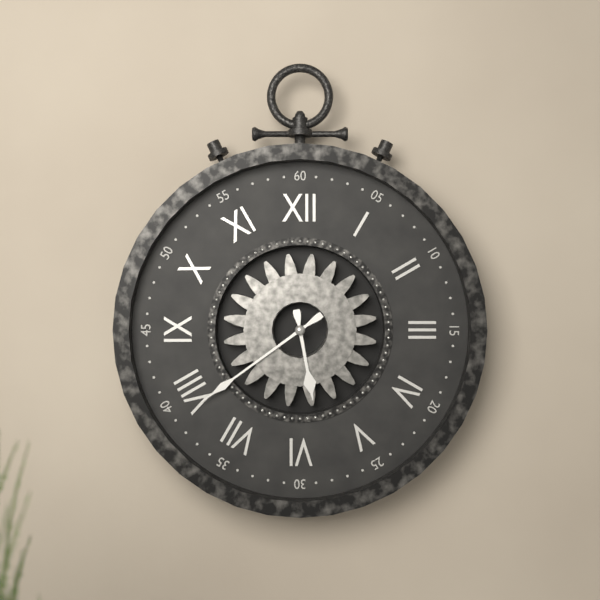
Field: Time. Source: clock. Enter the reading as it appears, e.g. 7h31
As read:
5h39
